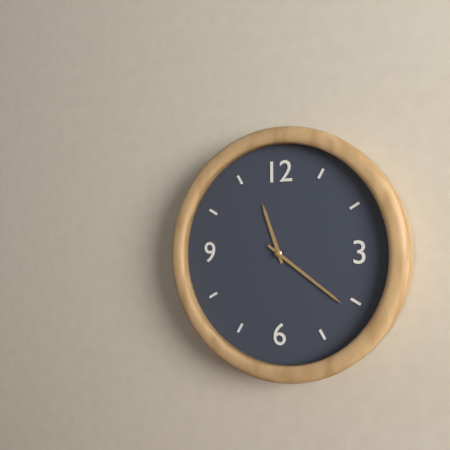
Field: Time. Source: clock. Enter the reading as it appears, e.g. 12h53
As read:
11h21
